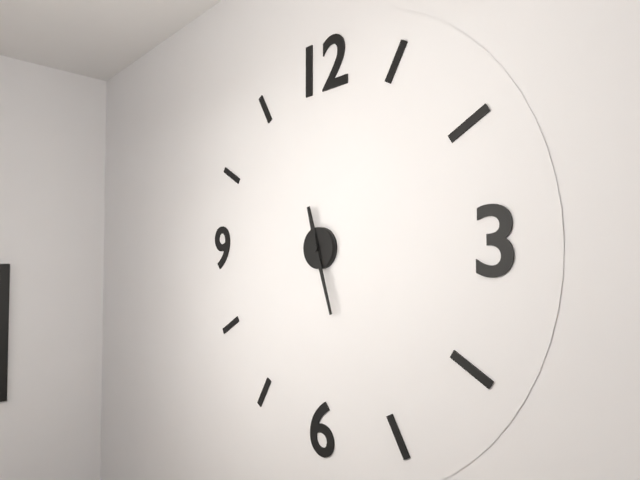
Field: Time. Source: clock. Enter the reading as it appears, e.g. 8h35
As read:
11h27
